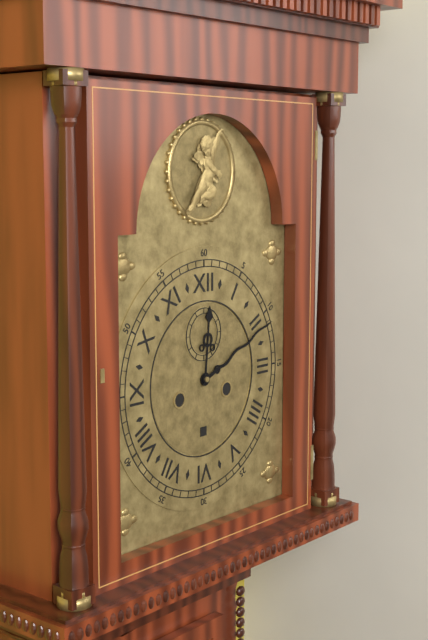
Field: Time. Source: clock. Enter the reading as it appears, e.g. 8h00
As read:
12h11
